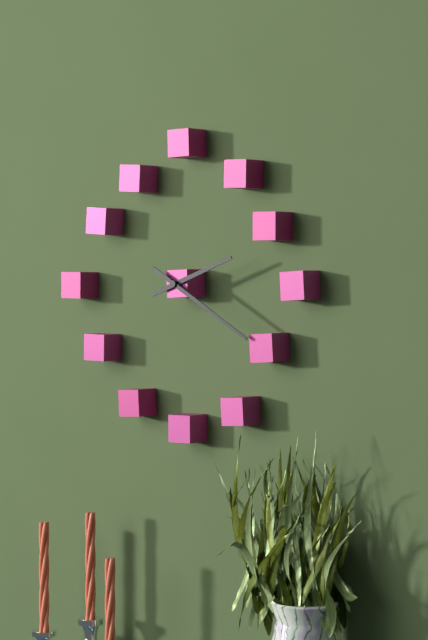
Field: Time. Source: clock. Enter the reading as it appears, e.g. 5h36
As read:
2h20
